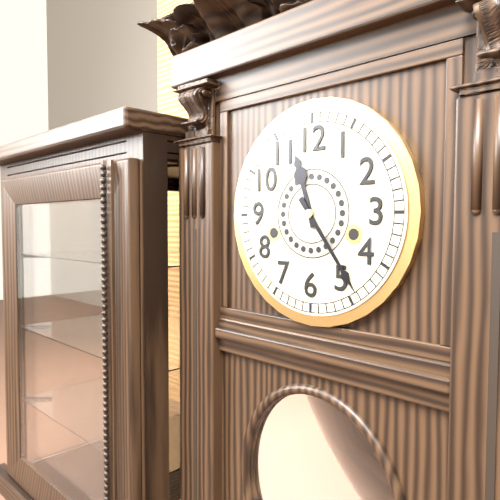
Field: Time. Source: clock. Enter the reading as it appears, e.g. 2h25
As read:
11h24
